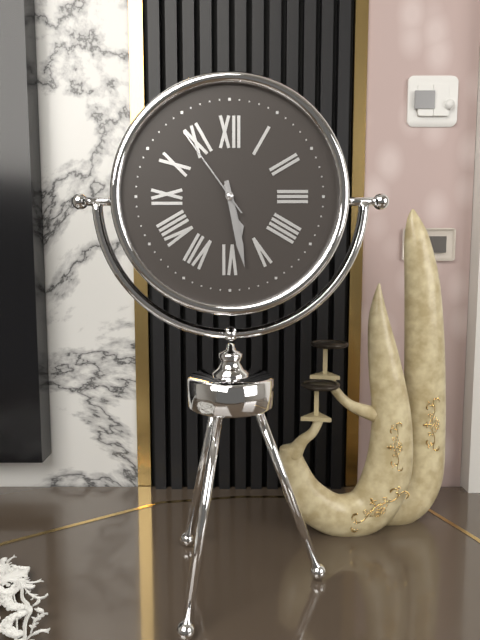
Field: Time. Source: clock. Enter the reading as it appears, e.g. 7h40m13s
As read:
5h28m54s
